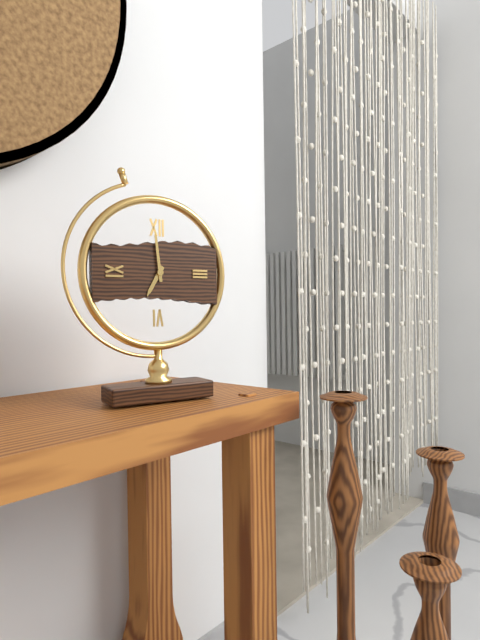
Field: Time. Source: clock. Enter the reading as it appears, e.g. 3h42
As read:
6h59
